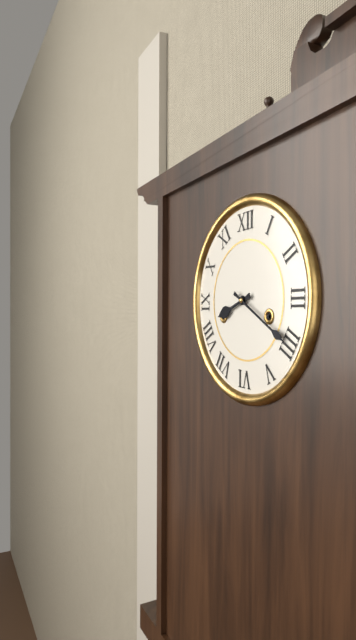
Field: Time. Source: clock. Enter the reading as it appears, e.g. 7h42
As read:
8h20
